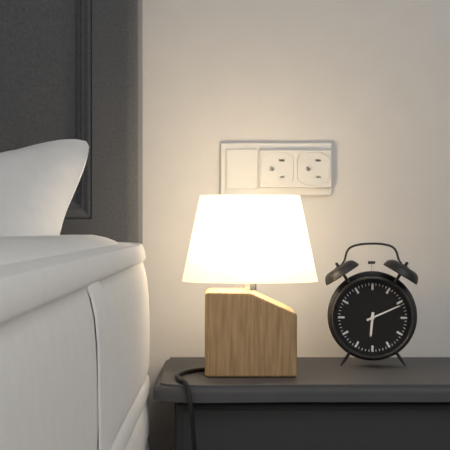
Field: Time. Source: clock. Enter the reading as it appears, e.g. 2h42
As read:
6h11
